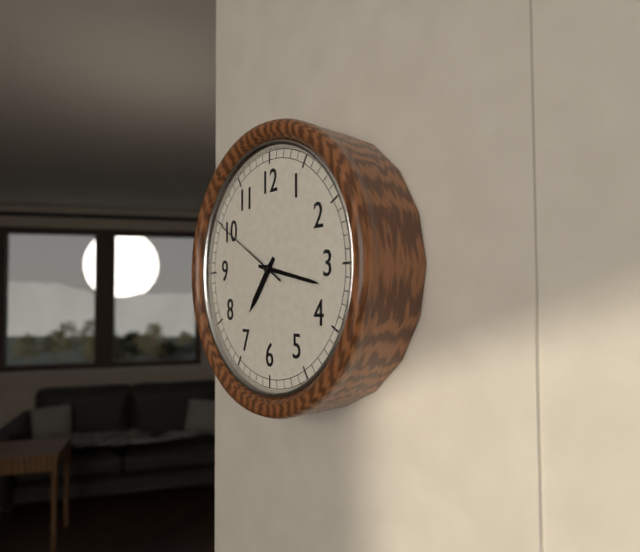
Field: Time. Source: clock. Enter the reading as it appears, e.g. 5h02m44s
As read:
7h17m50s
